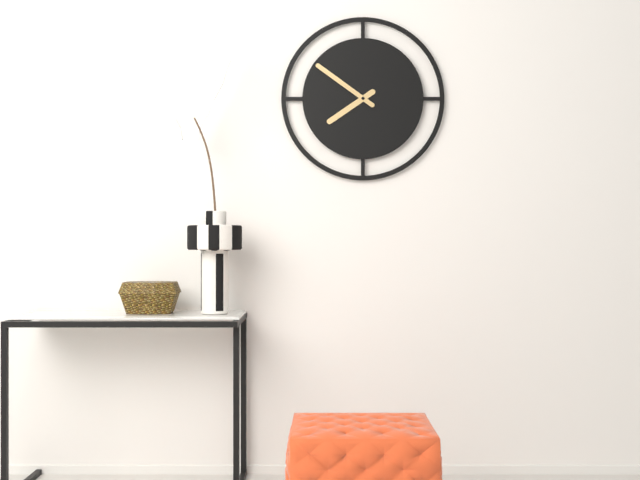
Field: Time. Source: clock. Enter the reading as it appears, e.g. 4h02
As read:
7h51
